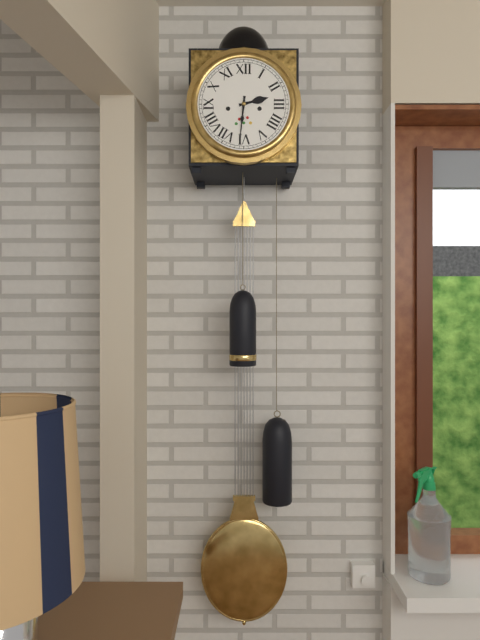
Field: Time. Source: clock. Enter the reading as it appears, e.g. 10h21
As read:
2h31
